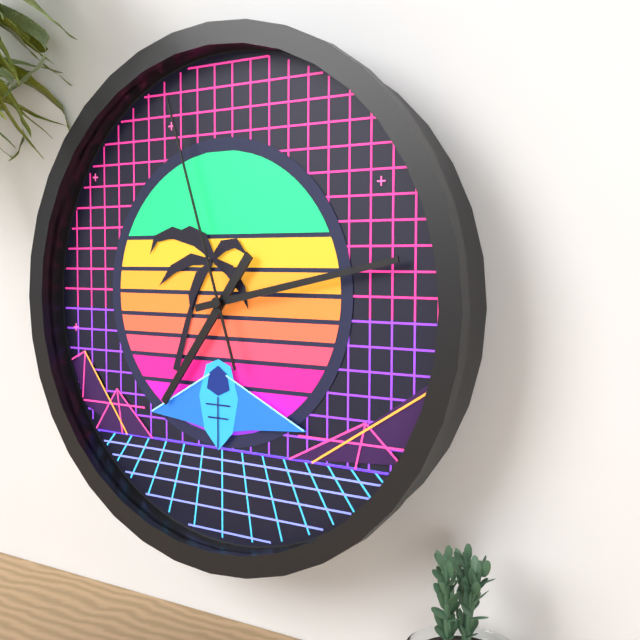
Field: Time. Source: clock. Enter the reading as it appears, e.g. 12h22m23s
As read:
7h13m57s
